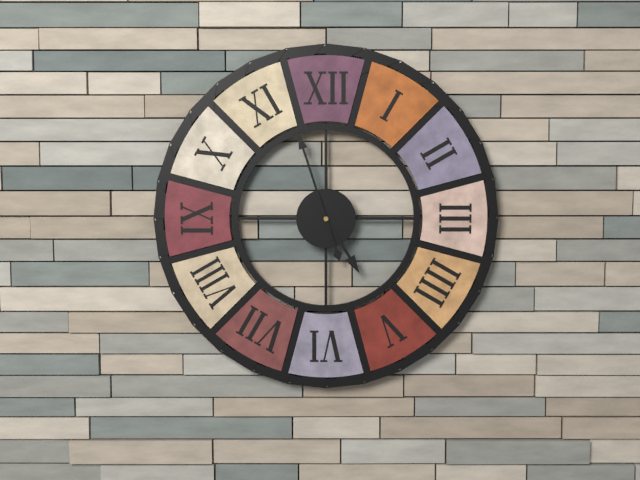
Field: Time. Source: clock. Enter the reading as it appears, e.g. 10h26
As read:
4h57
